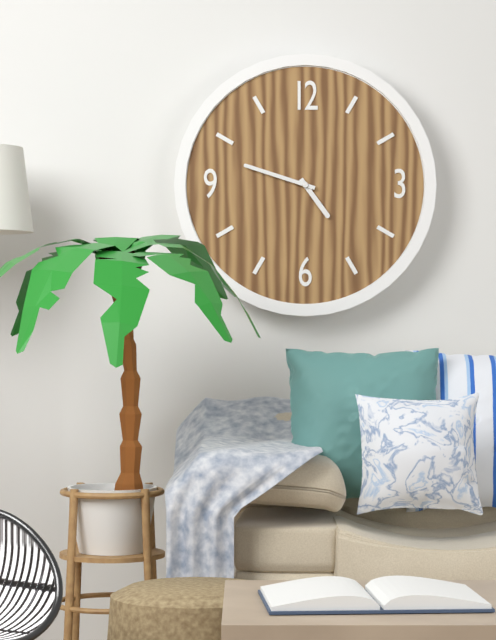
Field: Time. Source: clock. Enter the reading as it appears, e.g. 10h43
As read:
4h48
